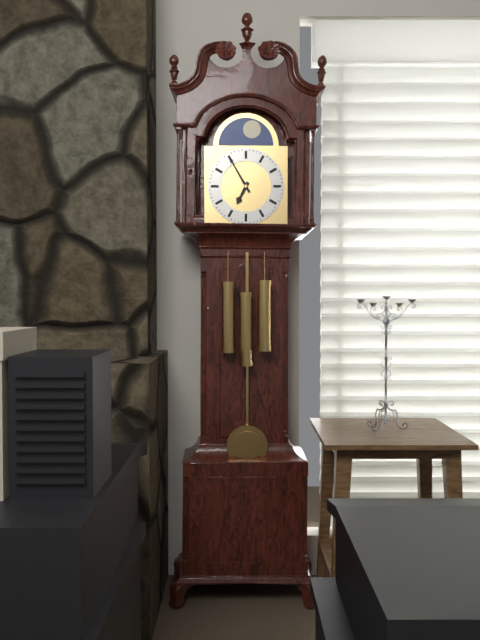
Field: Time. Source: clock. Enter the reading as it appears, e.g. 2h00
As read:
6h55
